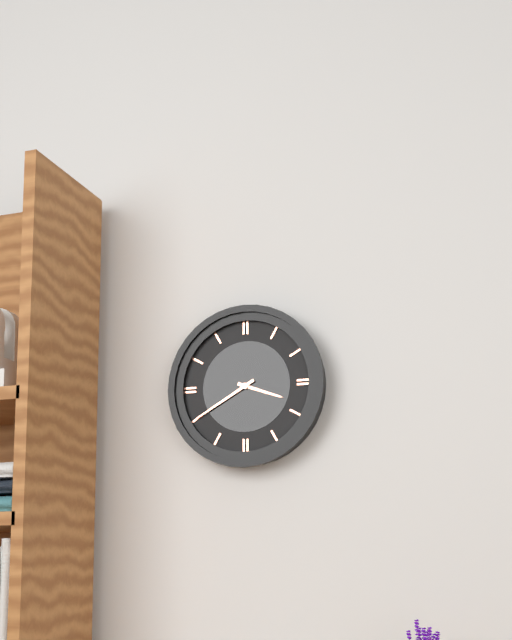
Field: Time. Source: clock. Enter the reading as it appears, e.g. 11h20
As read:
3h40
